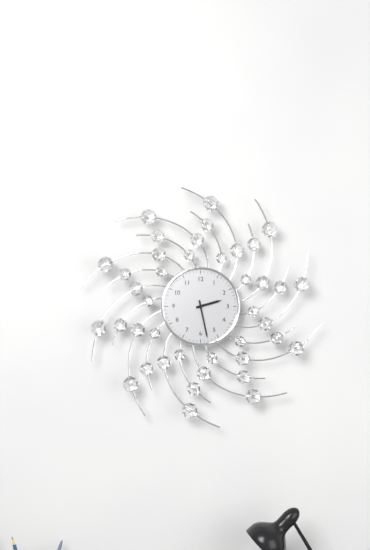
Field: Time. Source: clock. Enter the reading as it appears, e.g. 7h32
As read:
2h28
